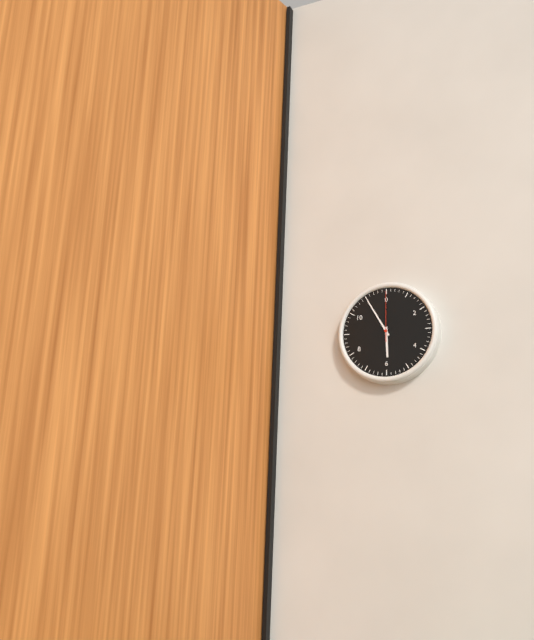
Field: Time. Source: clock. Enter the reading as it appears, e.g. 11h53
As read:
5h55
